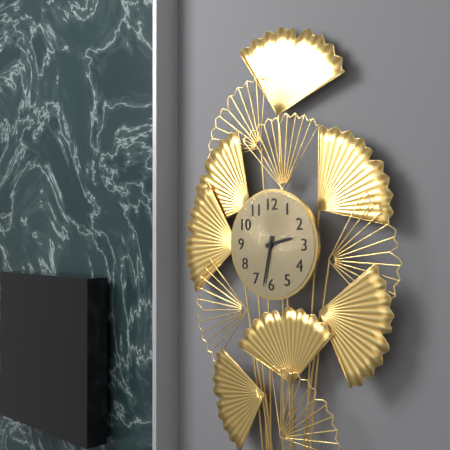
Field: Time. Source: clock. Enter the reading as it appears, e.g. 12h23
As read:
2h32
